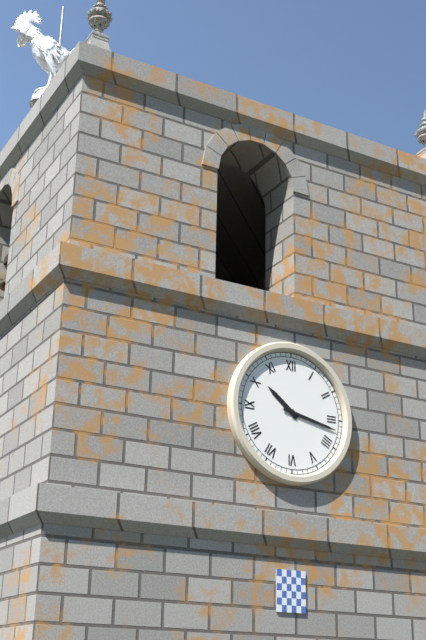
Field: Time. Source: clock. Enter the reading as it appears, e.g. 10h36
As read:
10h17
